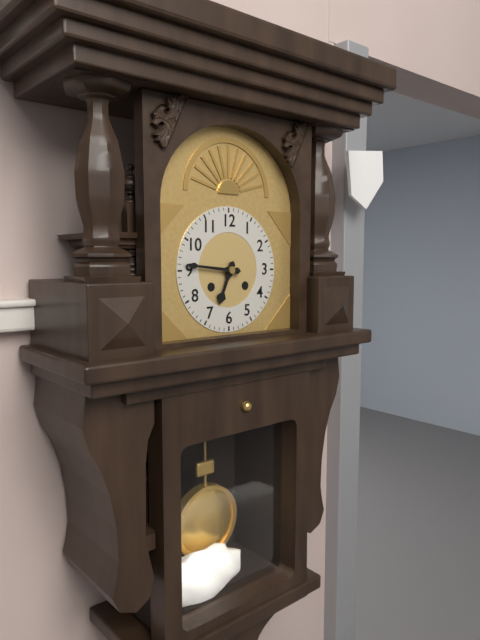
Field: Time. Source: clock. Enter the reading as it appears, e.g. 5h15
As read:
6h46
